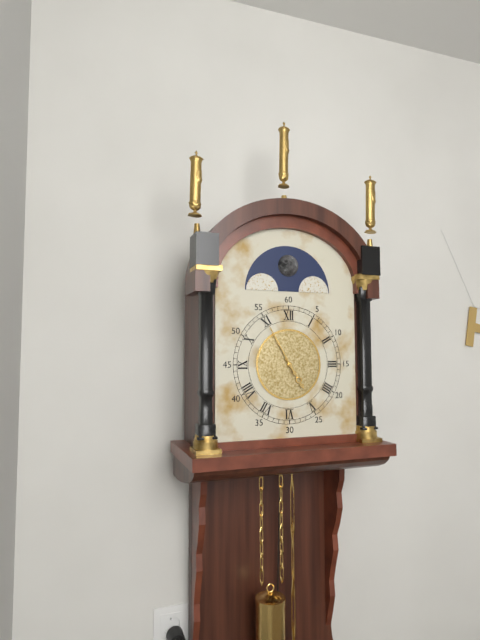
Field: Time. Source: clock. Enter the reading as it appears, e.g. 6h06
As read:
4h55
